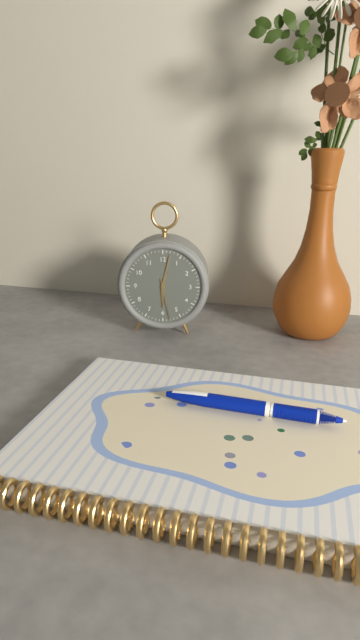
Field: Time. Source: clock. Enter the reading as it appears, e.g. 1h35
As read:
6h02
